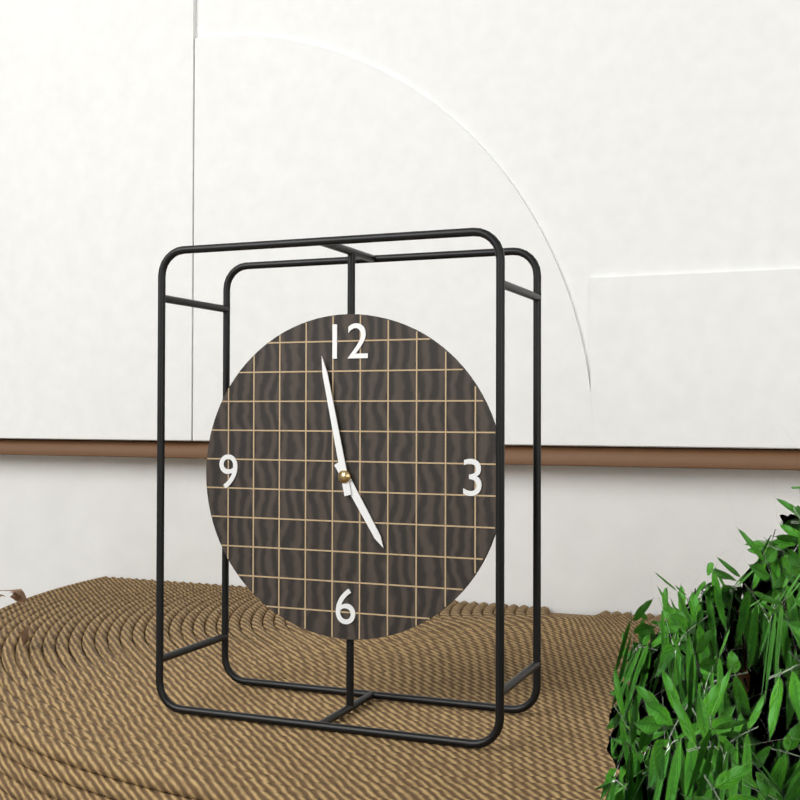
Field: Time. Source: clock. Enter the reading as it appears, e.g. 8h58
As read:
4h58
